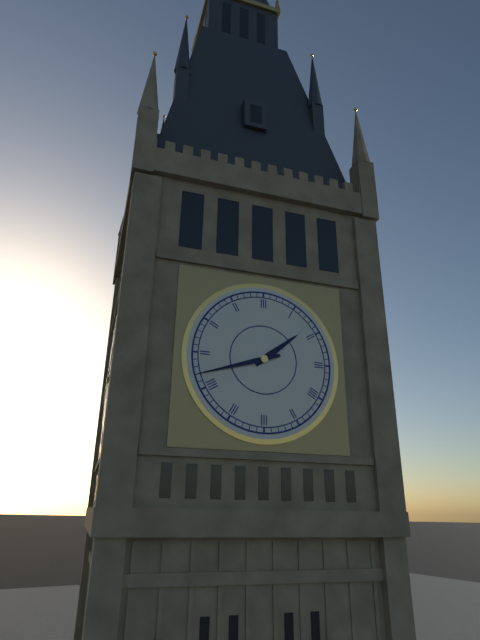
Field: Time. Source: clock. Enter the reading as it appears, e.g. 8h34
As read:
1h42
